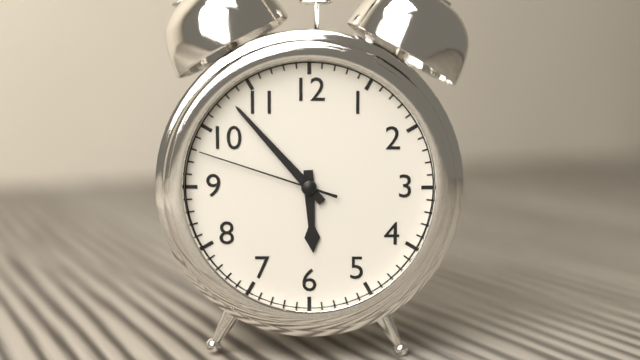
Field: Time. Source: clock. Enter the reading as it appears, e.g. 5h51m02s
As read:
5h53m48s
